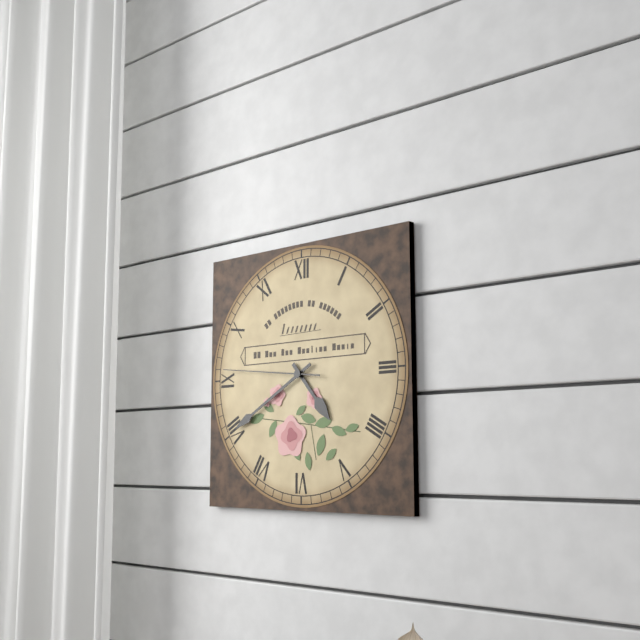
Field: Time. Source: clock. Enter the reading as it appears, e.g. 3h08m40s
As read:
4h40m46s
